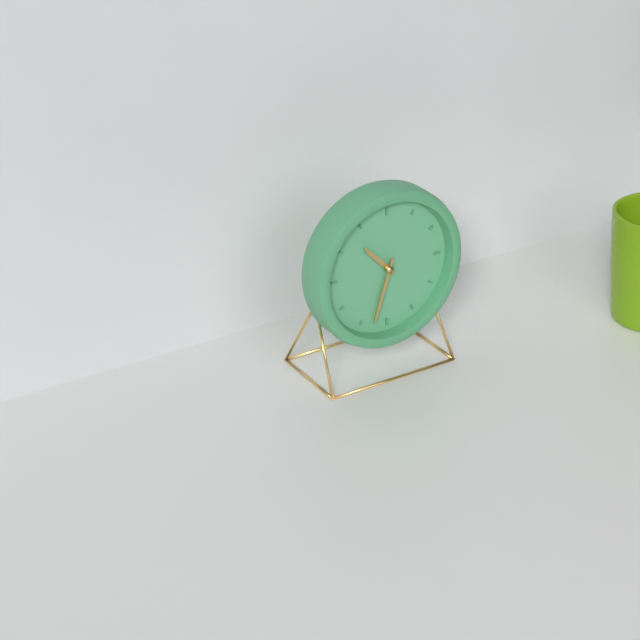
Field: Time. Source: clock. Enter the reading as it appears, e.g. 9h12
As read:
10h33
